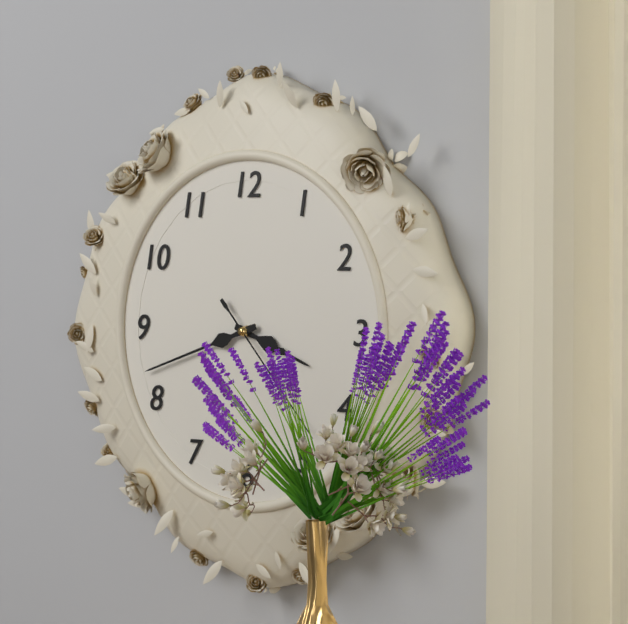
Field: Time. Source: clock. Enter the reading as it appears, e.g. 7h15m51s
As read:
3h42m23s
